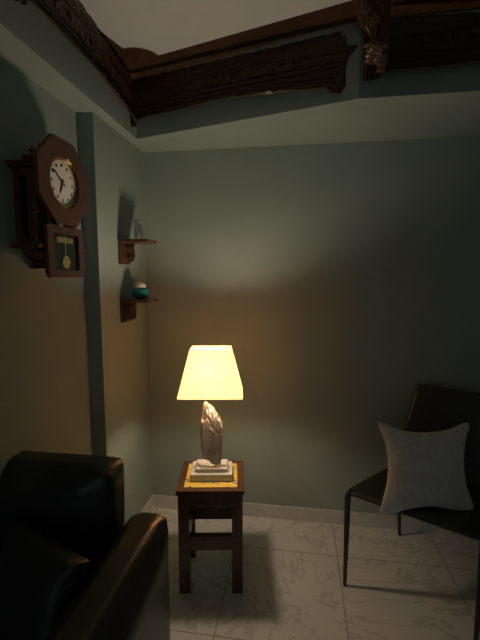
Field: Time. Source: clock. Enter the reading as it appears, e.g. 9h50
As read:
6h51
